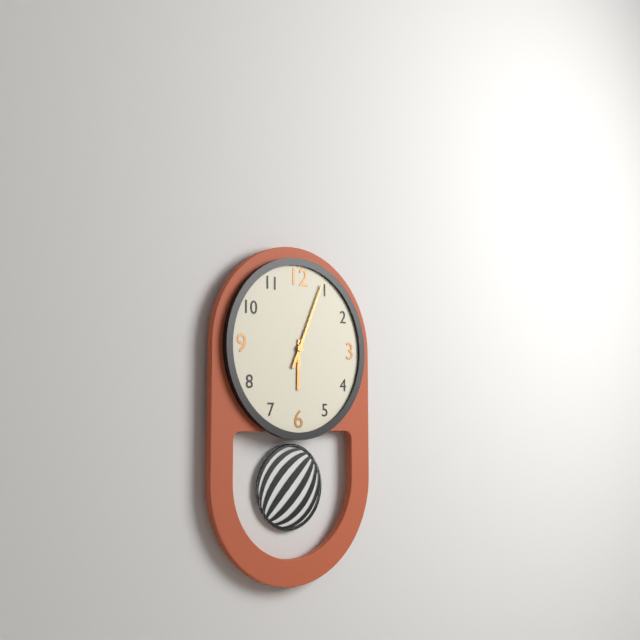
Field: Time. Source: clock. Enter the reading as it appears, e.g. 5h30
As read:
6h04
